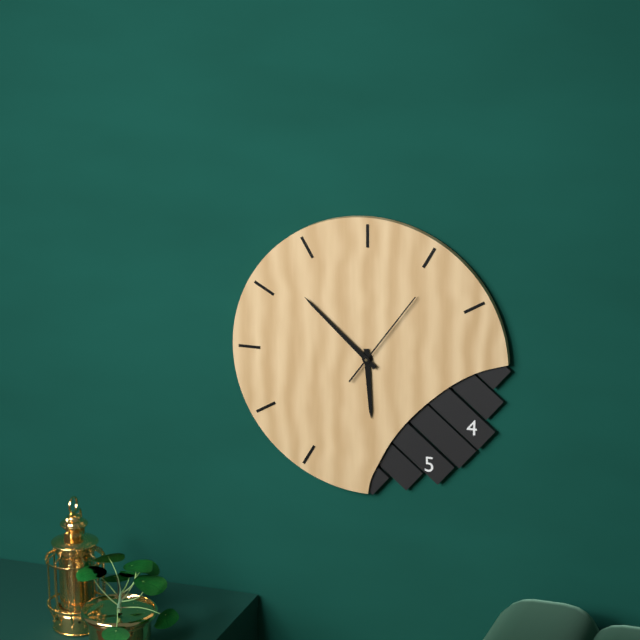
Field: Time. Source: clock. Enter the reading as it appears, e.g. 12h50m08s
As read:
5h52m06s
